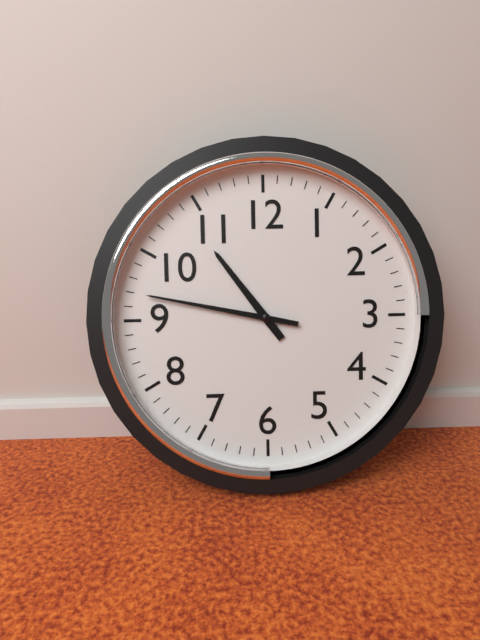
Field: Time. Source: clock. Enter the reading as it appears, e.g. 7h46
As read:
10h47
